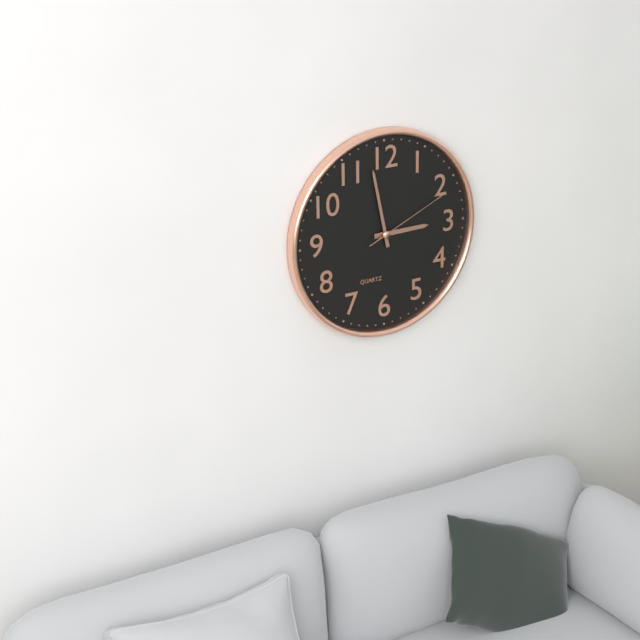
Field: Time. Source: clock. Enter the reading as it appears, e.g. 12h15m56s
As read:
2h58m11s
